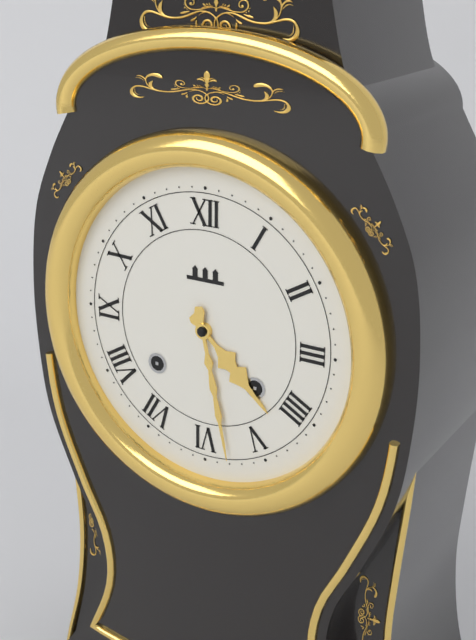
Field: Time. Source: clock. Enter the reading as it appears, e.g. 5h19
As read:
4h28
